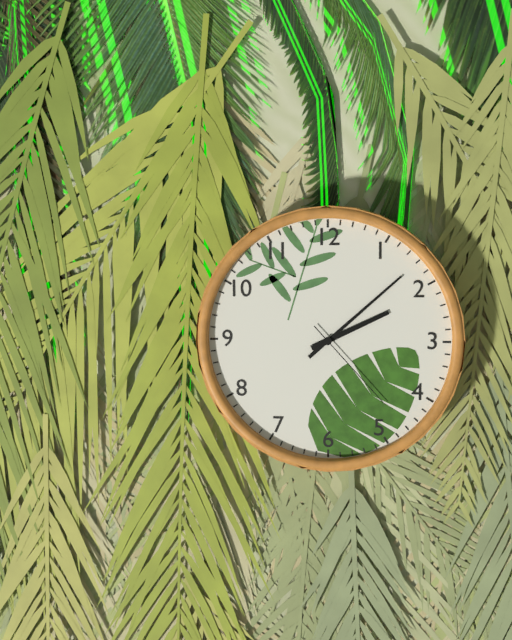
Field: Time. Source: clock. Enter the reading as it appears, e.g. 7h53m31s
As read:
2h08m23s
